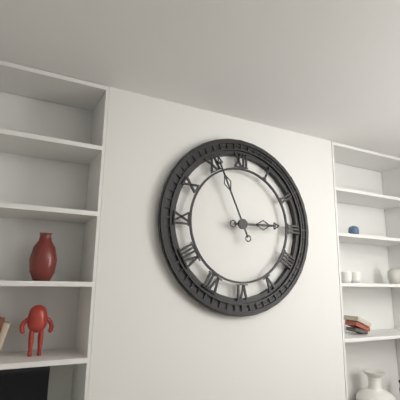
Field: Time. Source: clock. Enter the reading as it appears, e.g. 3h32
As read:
2h56
